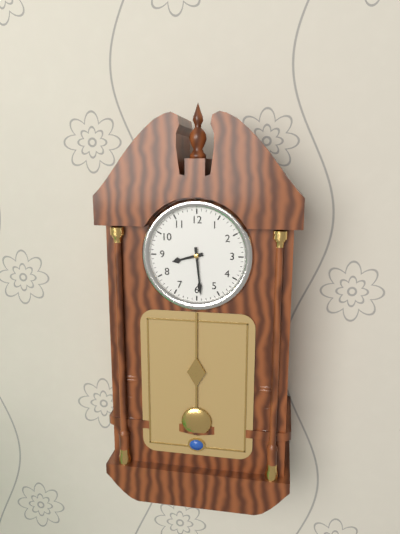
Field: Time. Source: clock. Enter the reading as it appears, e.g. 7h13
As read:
8h29
